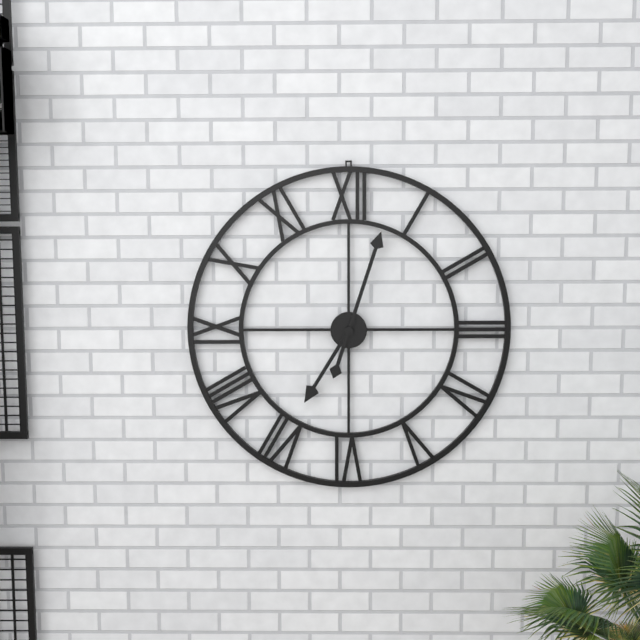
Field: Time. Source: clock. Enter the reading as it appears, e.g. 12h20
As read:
7h03
